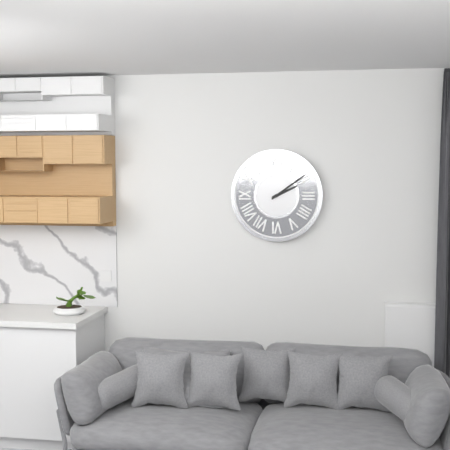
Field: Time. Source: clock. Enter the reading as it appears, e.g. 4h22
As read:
2h09
